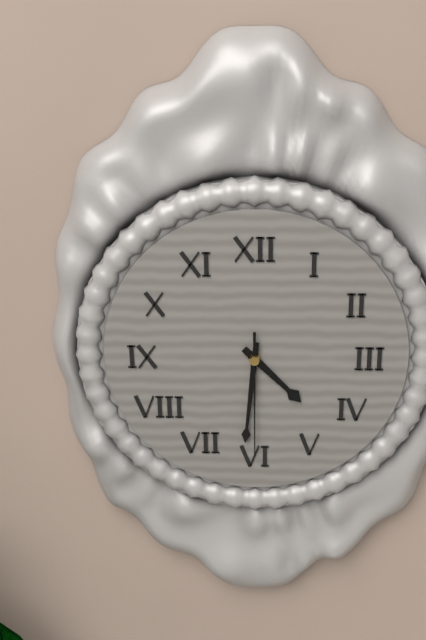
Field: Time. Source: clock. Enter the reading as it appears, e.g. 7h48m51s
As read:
4h31m30s
